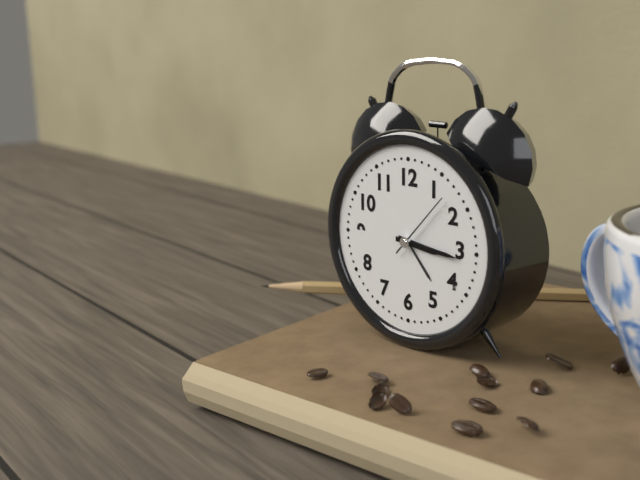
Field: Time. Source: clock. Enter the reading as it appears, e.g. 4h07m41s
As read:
3h16m07s
